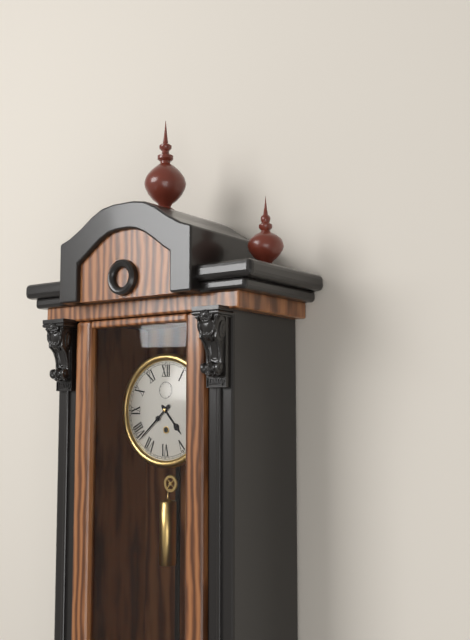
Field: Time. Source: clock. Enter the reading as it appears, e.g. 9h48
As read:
4h38
